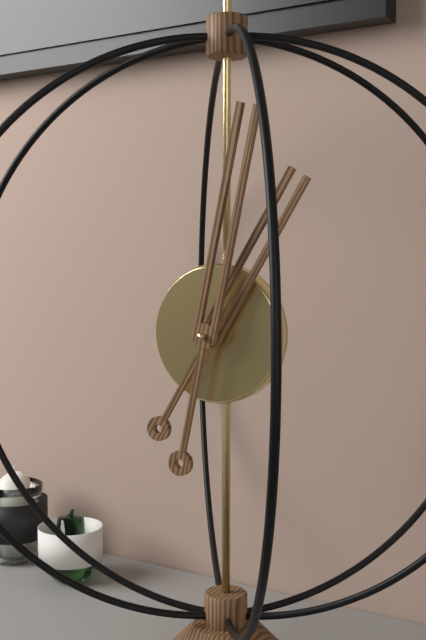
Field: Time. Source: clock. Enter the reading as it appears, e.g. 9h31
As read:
1h02
